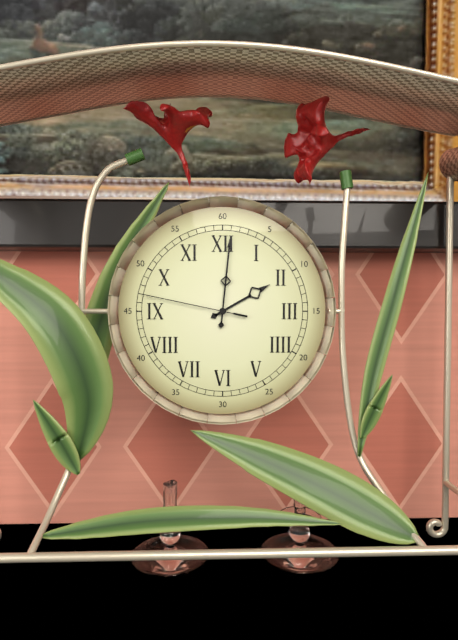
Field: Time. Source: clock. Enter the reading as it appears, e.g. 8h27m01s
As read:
2h01m47s
